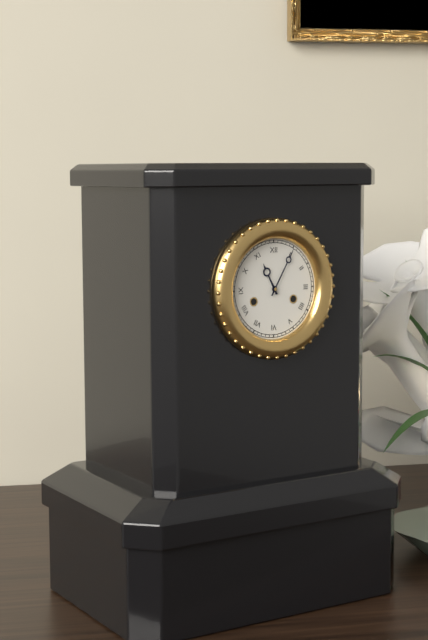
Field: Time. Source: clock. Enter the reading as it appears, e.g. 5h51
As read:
11h05
